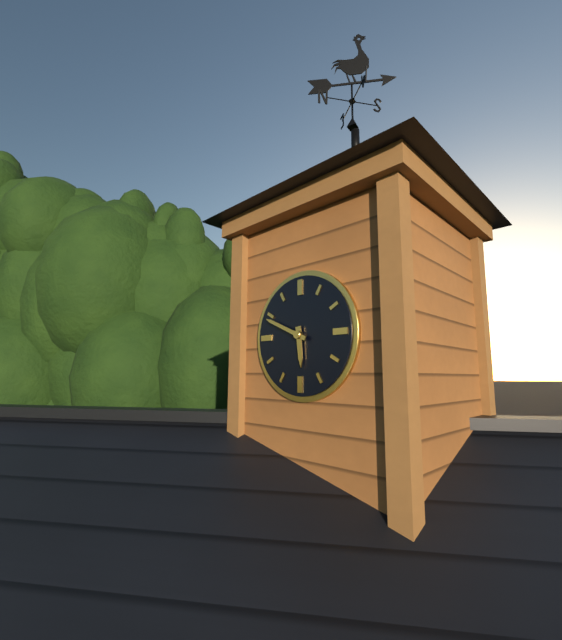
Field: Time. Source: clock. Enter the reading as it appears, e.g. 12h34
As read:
5h49
